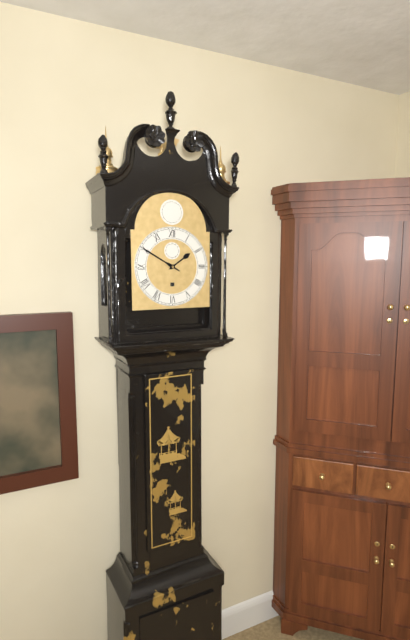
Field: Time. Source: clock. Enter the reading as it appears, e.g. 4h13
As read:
1h50
